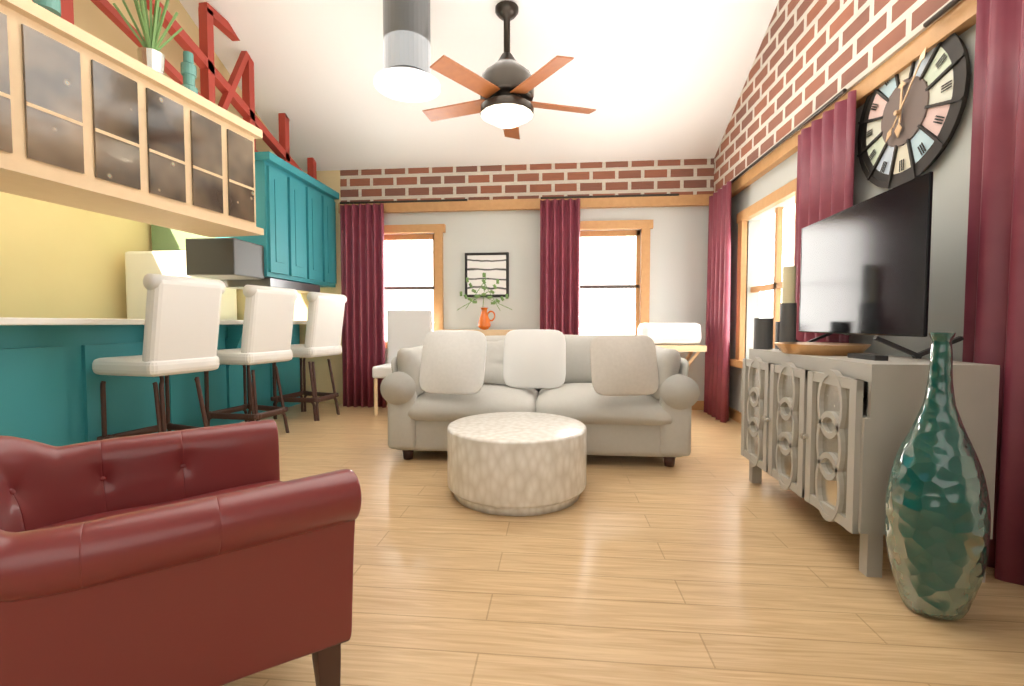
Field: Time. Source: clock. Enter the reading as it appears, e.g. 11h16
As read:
12h06
